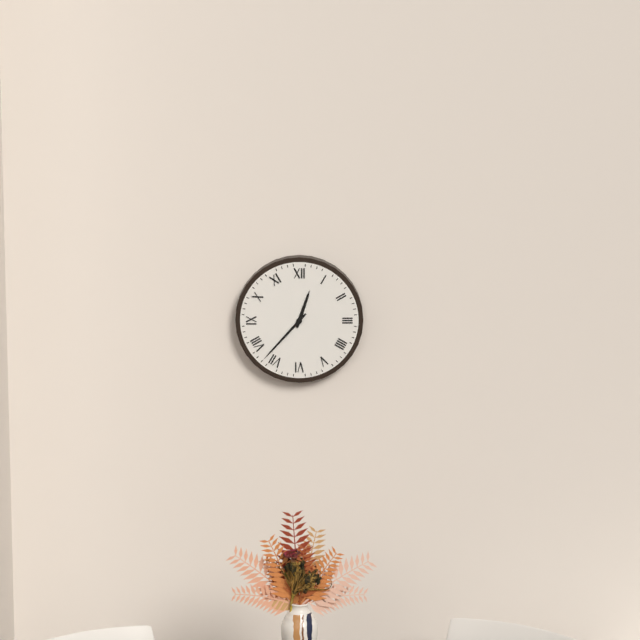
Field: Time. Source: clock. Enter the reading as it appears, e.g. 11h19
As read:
12h37
